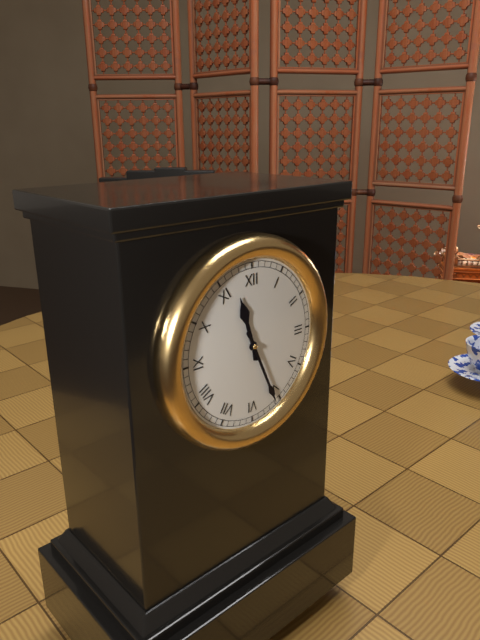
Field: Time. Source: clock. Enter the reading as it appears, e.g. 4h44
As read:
11h26
